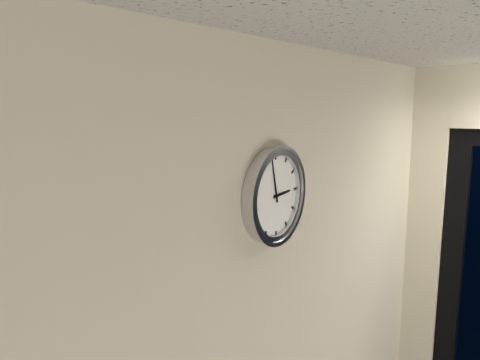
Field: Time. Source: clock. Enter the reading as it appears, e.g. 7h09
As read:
2h58
